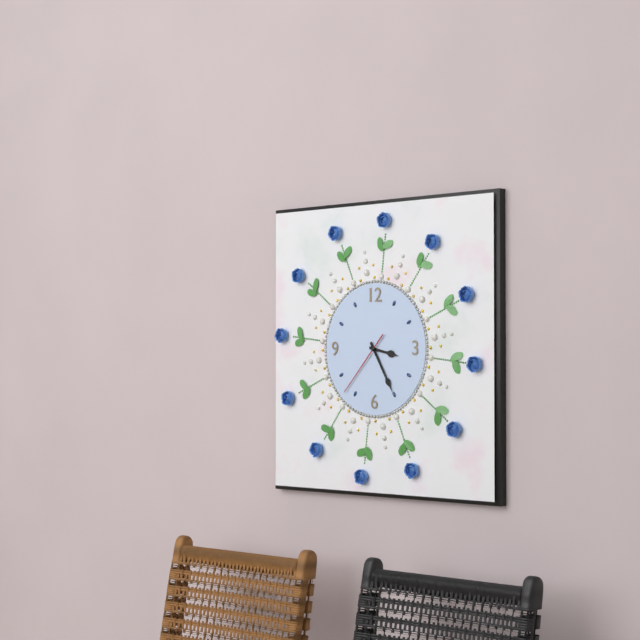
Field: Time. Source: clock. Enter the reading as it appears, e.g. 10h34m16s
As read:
3h25m37s
